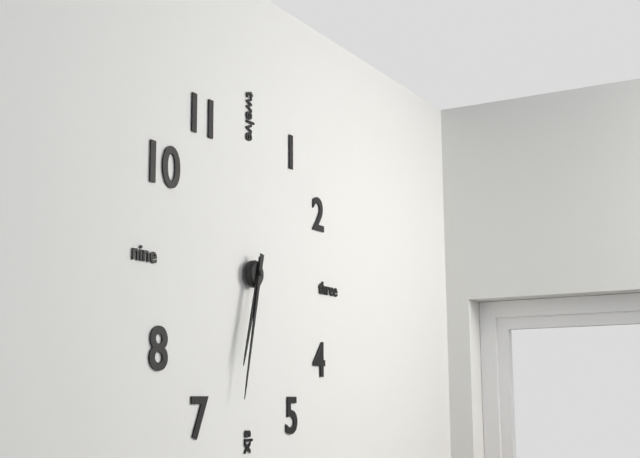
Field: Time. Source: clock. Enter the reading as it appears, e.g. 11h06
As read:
6h32
